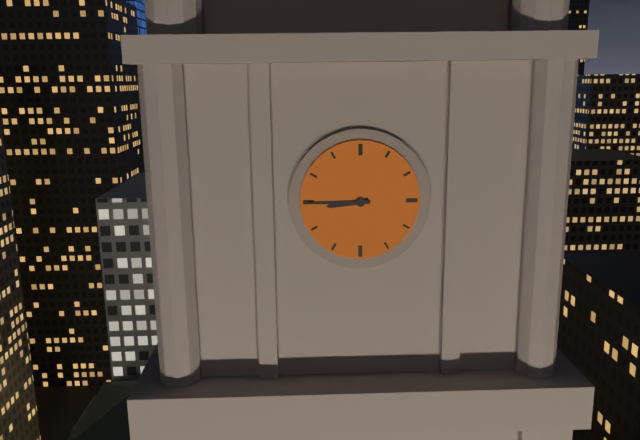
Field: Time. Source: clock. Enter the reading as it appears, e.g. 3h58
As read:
8h45
